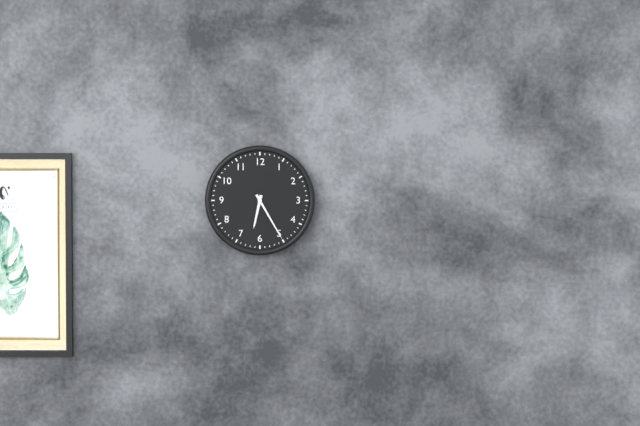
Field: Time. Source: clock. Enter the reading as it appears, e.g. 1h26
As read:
6h25
